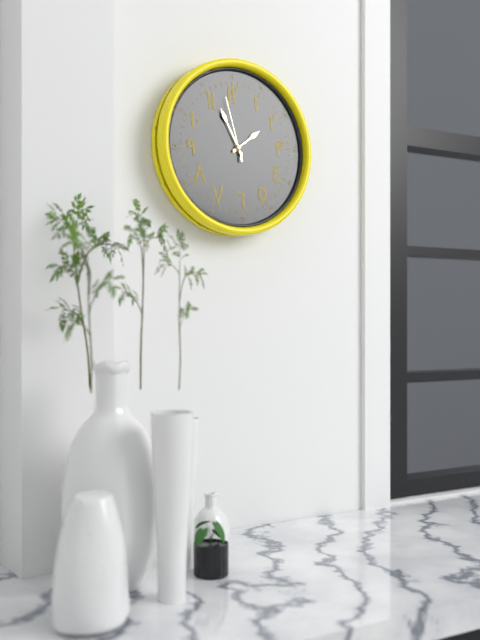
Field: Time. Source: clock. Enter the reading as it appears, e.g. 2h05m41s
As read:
1h56m58s
